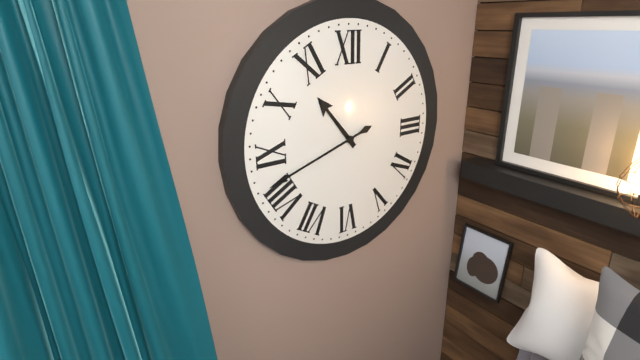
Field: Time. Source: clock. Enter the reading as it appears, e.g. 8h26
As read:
10h42
